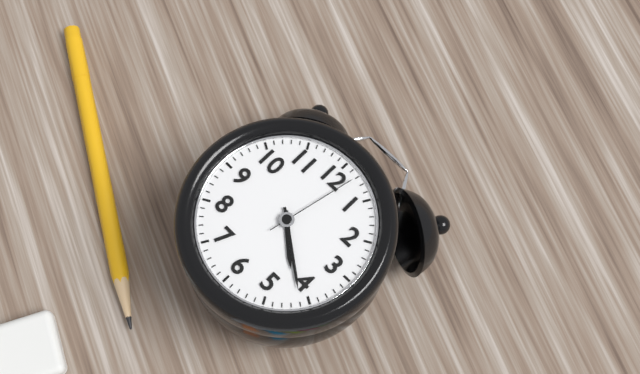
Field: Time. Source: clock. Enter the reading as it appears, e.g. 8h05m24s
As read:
4h21m02s
